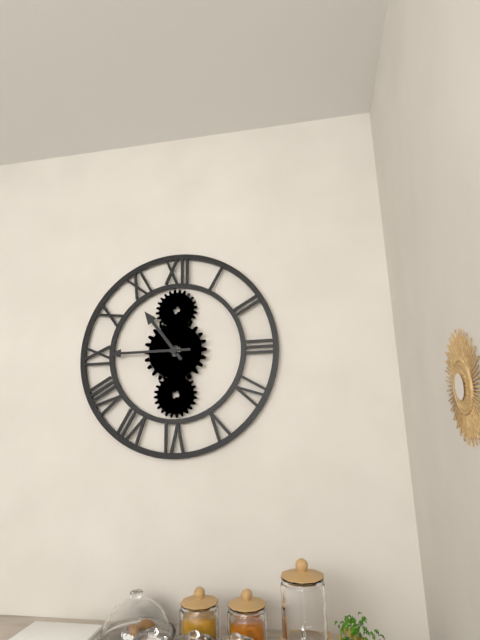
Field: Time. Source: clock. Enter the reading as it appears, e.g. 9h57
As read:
10h45
